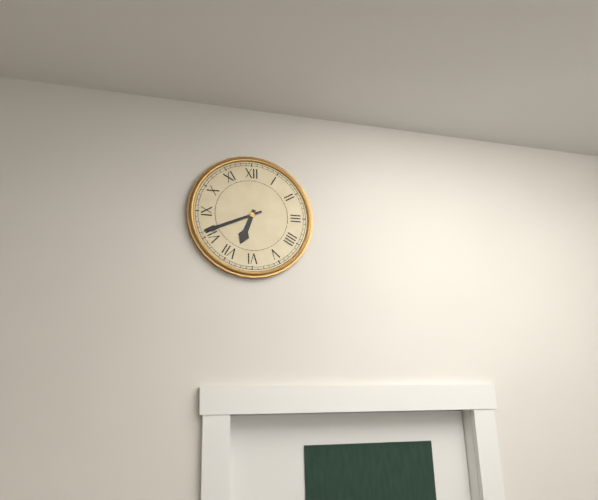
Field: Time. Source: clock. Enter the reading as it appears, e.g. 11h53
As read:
6h41
